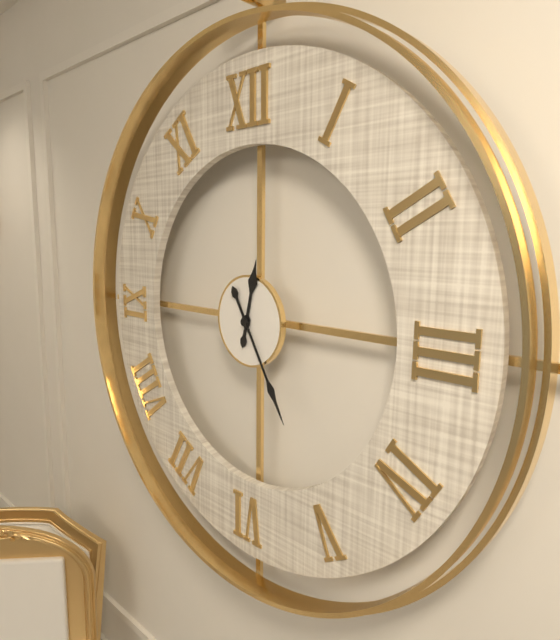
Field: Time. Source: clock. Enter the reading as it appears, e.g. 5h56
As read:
12h25
